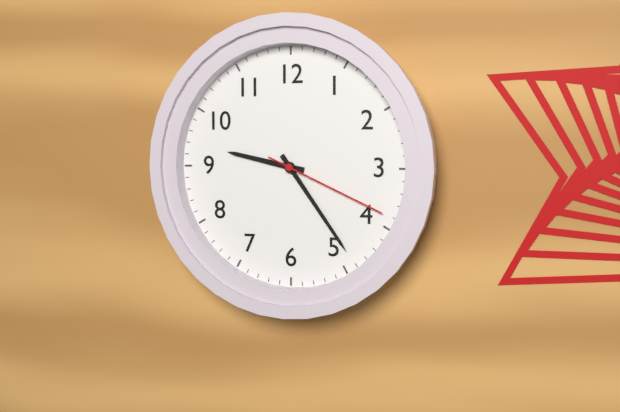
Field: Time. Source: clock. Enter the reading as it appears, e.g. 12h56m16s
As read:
9h24m19s
